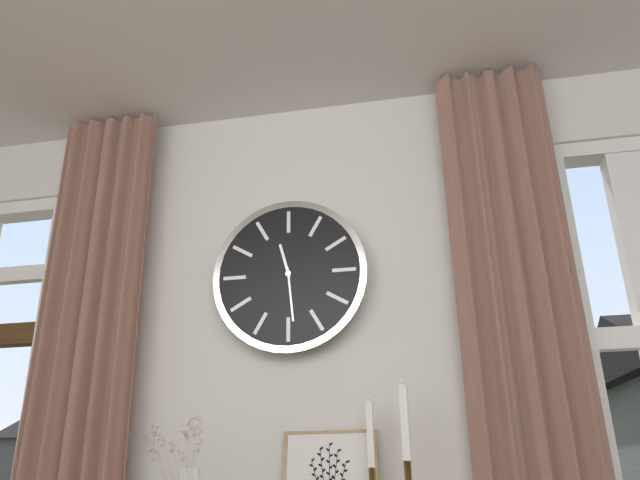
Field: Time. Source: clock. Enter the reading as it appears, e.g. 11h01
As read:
11h29
